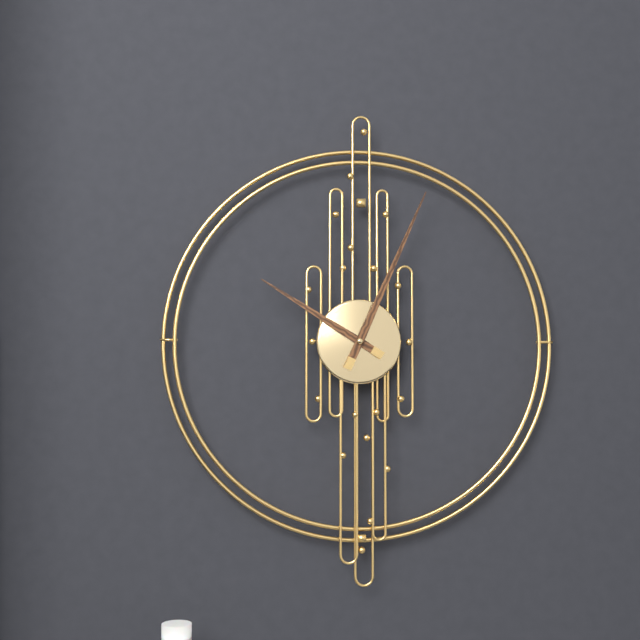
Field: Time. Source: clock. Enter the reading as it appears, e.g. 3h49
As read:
10h04
